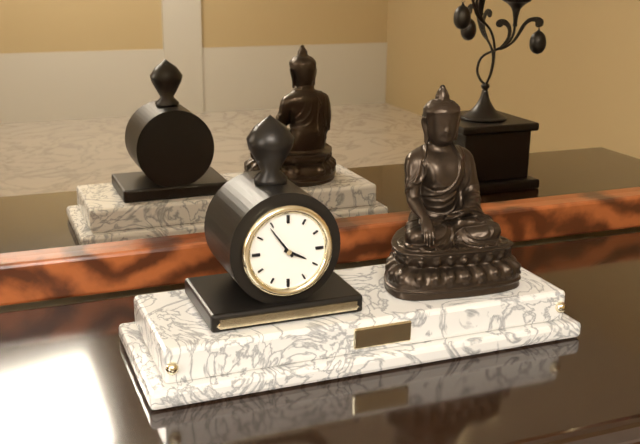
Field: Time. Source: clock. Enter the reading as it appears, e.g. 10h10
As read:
3h54
